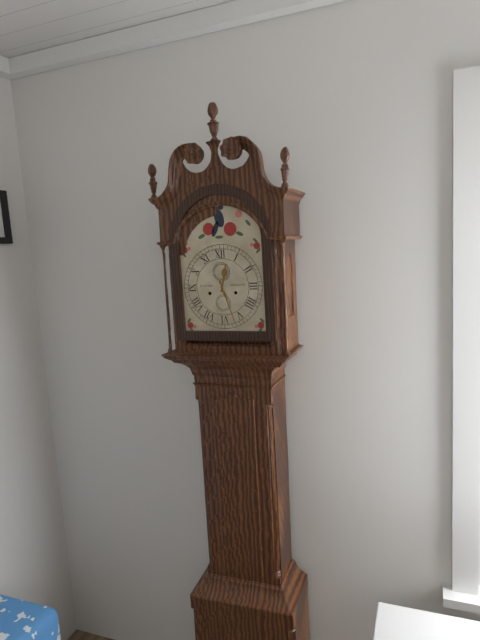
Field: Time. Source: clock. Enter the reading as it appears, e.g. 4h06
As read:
12h27
